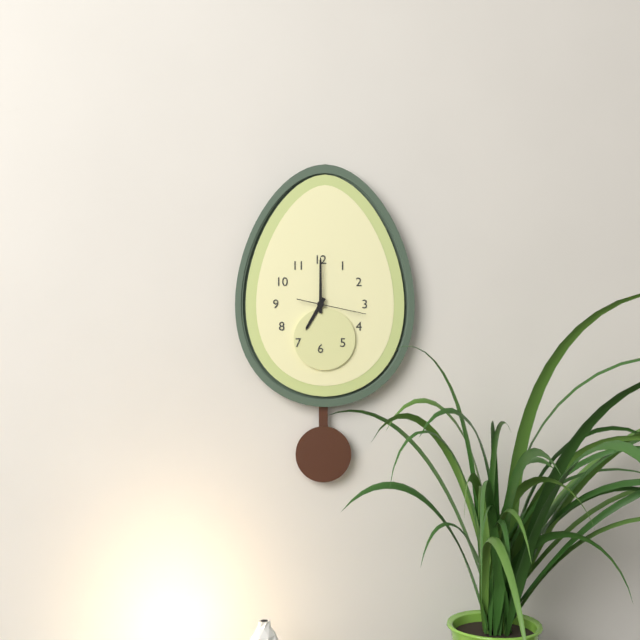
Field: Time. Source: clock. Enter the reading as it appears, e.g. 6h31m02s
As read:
7h00m17s
